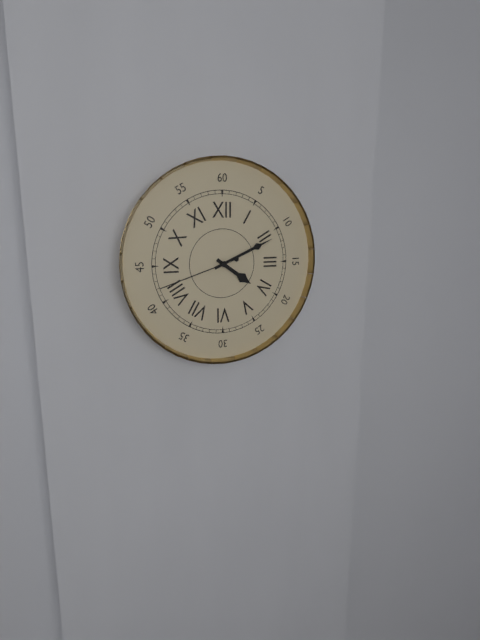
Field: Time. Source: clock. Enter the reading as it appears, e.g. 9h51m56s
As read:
4h11m42s
